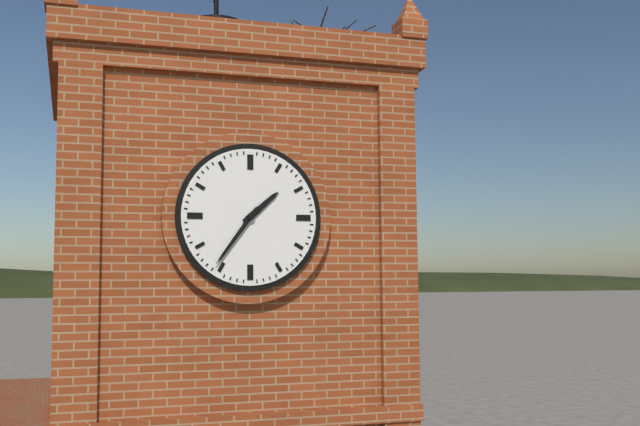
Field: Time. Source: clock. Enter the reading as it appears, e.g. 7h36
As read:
1h36
